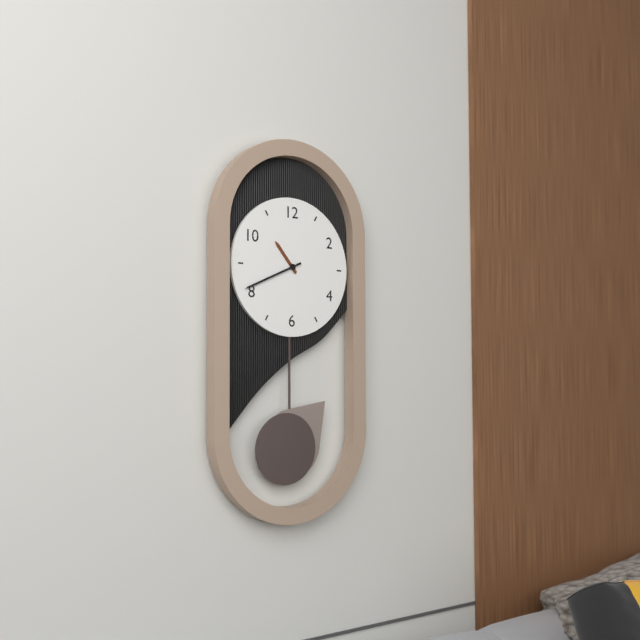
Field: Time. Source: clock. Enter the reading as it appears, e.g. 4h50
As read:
10h41
